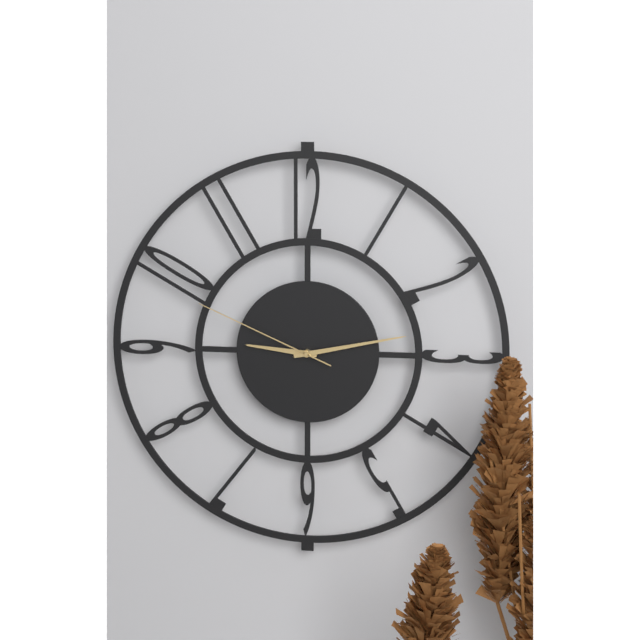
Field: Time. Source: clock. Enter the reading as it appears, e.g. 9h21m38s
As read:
9h13m49s
